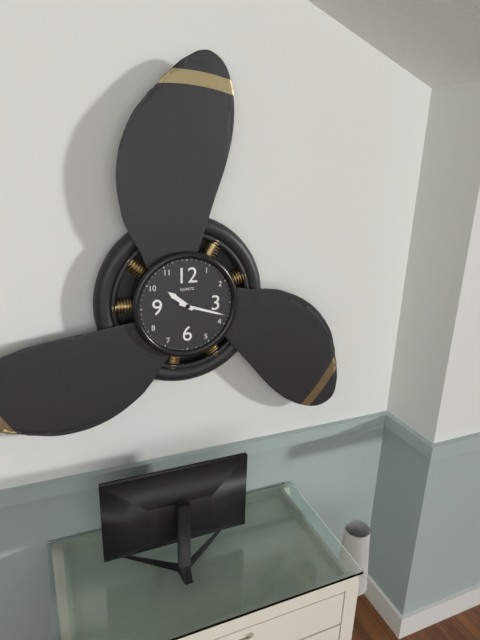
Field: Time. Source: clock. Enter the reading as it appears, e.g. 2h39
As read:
10h18
